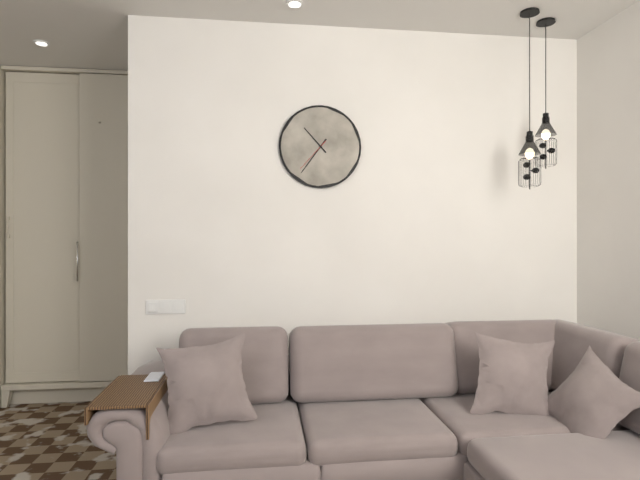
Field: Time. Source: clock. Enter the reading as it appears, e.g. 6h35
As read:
10h36
